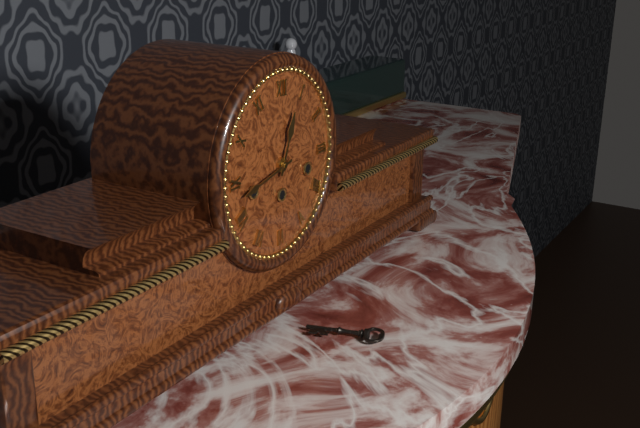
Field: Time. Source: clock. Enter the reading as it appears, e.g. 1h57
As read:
12h43
